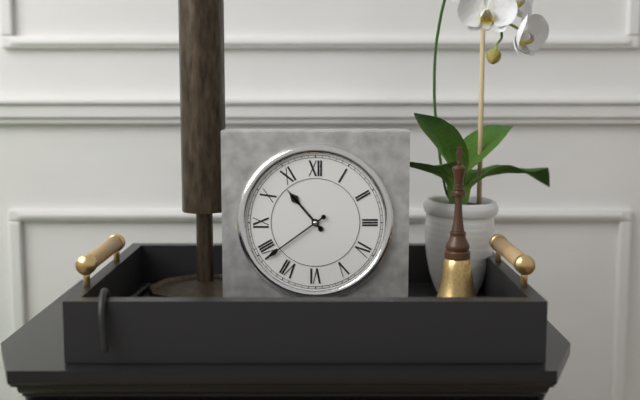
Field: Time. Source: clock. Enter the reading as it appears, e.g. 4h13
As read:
10h39
